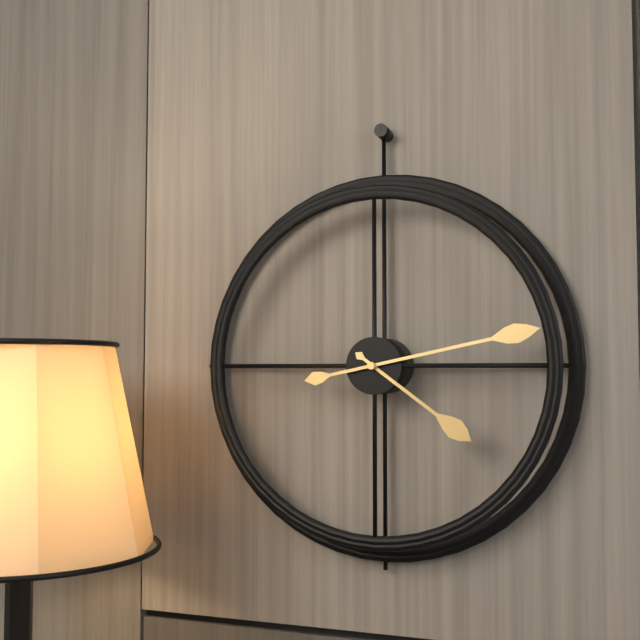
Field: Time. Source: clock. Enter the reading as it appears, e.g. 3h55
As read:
4h13
